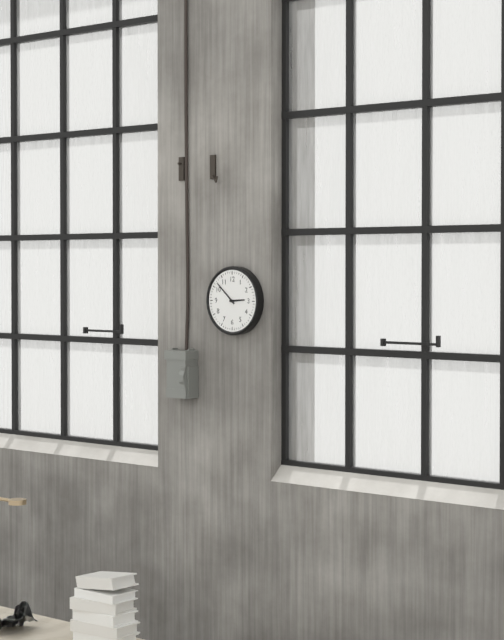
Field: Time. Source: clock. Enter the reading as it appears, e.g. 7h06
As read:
2h52
